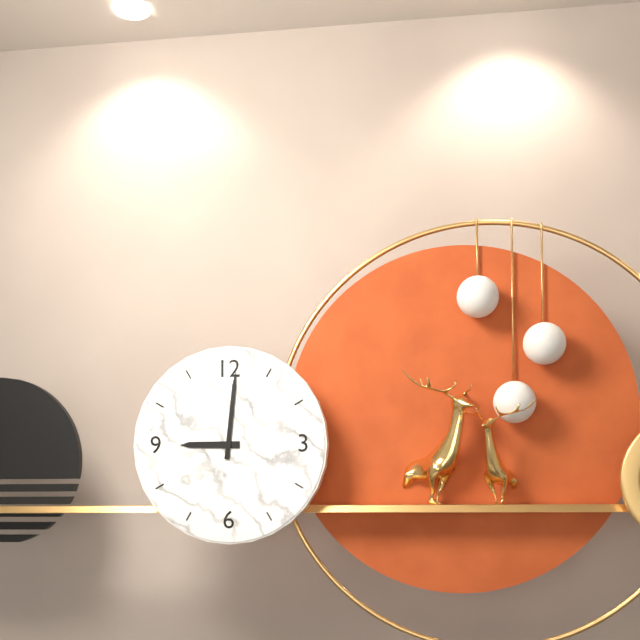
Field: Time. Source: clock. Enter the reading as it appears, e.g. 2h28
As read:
9h01
